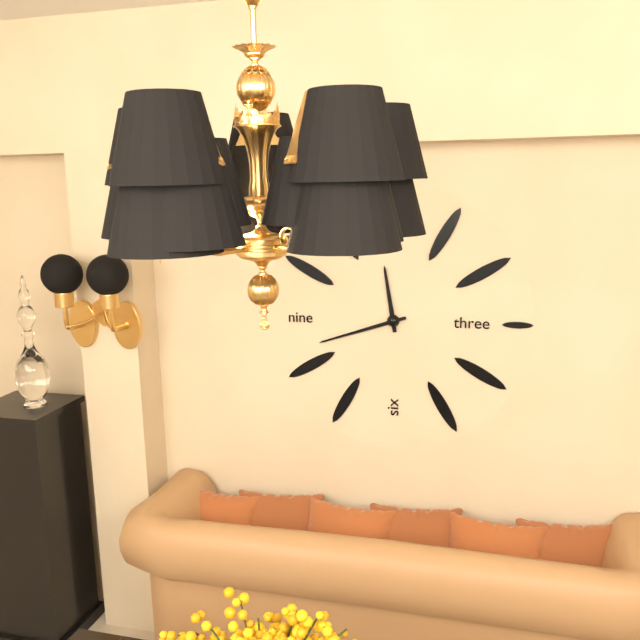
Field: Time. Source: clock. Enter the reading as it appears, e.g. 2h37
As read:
11h42
